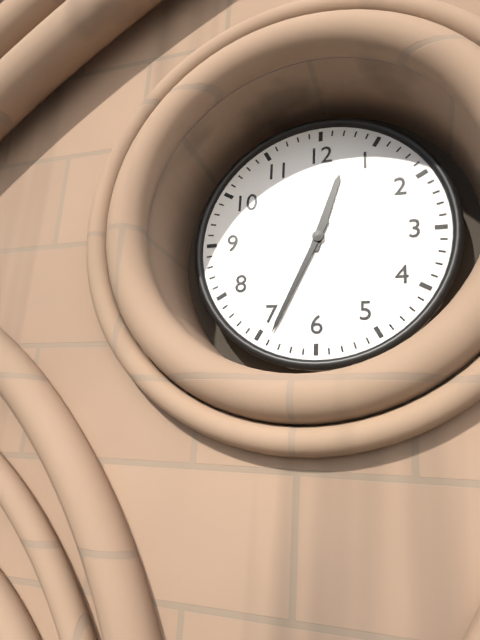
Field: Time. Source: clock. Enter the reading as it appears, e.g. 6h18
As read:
12h34
